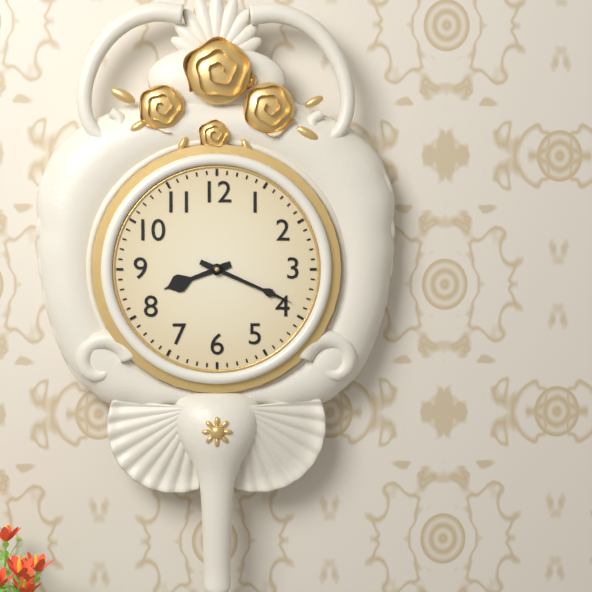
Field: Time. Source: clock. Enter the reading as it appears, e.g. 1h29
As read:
8h19
